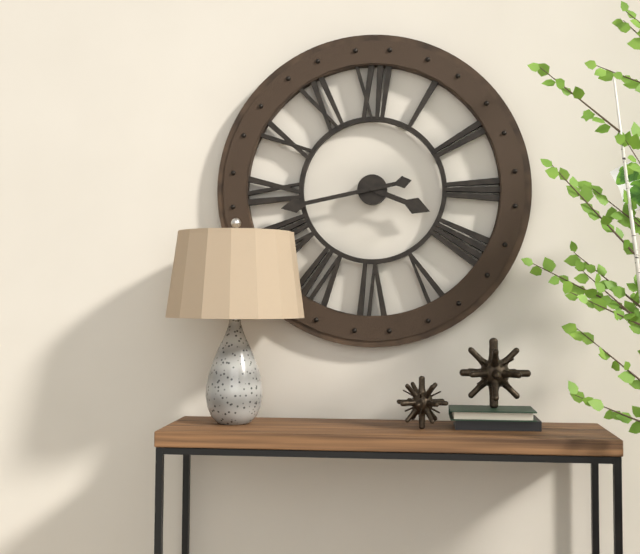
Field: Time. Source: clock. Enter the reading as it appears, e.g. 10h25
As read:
3h43
